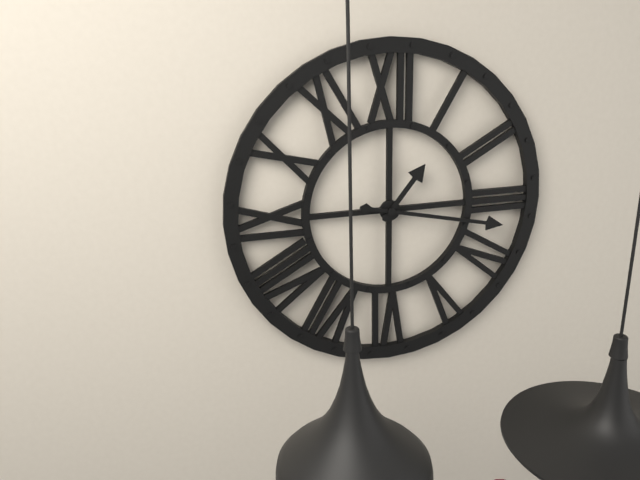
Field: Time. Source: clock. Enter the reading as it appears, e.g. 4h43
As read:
1h17
